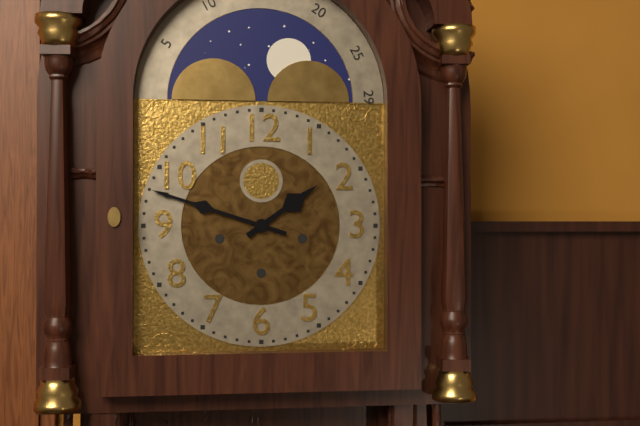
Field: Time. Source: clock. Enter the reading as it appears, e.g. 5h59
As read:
1h48
